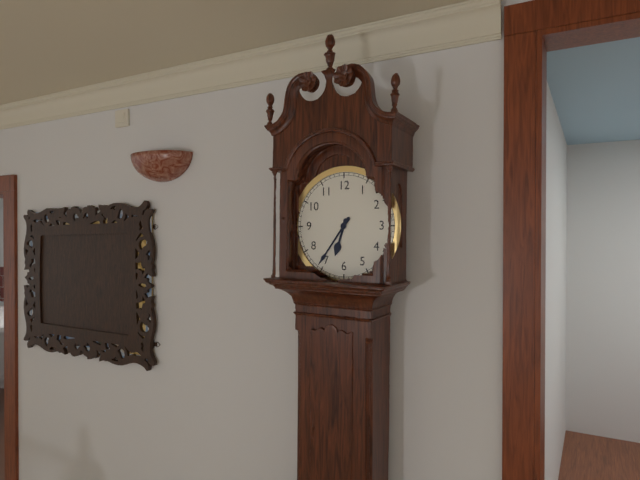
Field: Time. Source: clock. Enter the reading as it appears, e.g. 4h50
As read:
6h36
